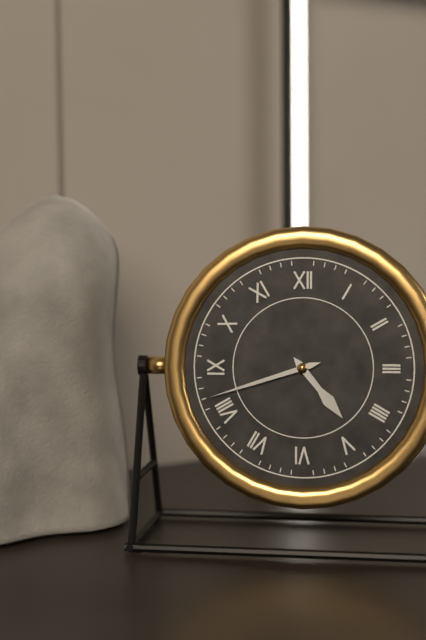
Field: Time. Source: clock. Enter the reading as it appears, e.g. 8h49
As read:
4h42
